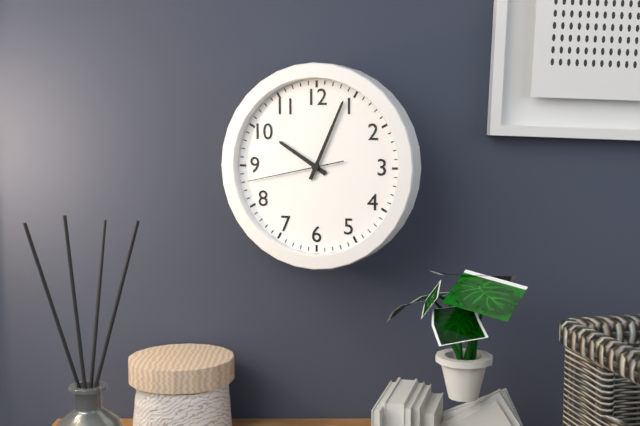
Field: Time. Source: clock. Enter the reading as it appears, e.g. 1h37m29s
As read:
10h04m43s
